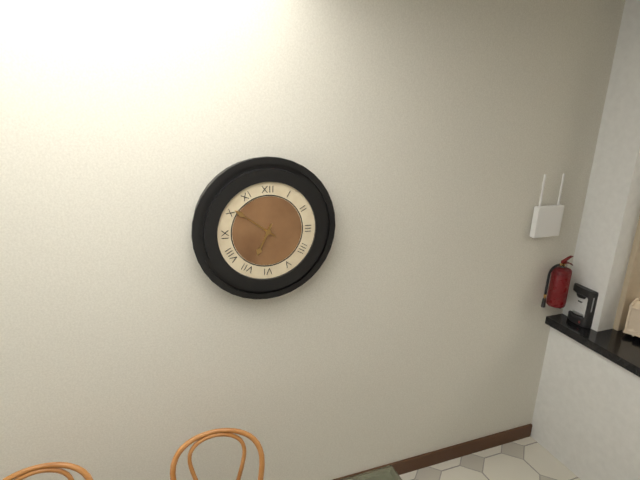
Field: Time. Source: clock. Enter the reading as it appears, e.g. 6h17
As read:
6h51
